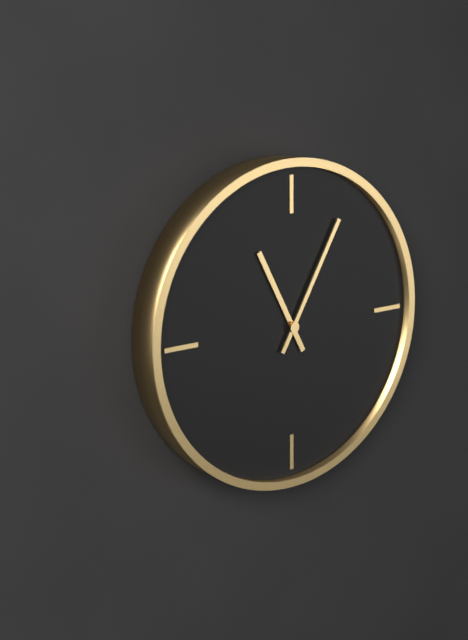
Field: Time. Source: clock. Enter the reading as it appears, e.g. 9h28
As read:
11h05
